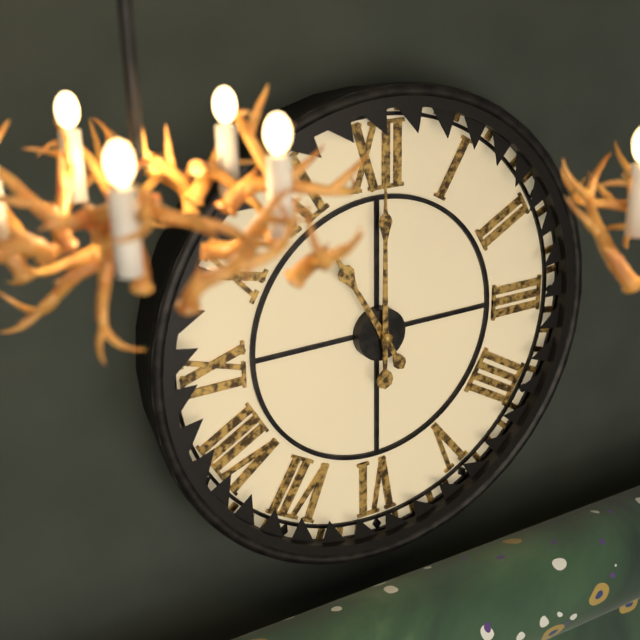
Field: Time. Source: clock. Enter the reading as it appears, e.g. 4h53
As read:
11h00
